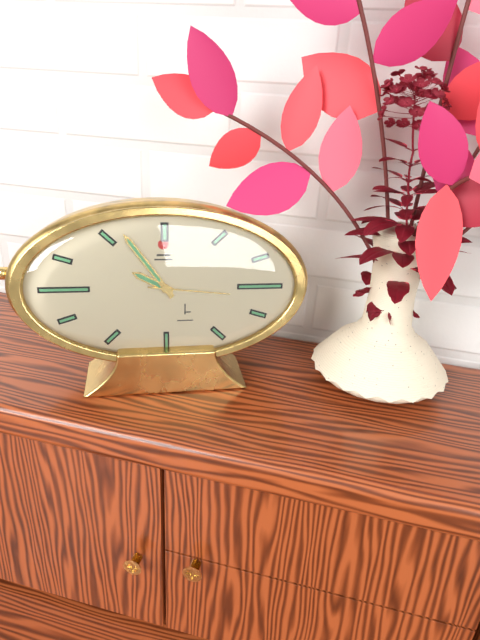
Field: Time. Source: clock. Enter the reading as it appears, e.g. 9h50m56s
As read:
9h54m16s
